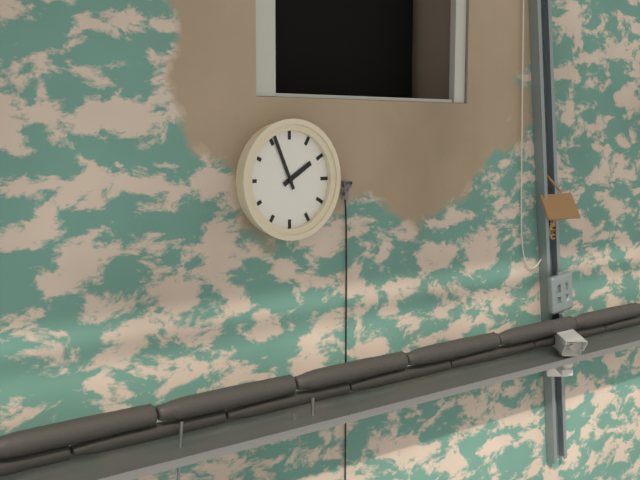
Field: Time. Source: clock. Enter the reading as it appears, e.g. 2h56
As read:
1h56
